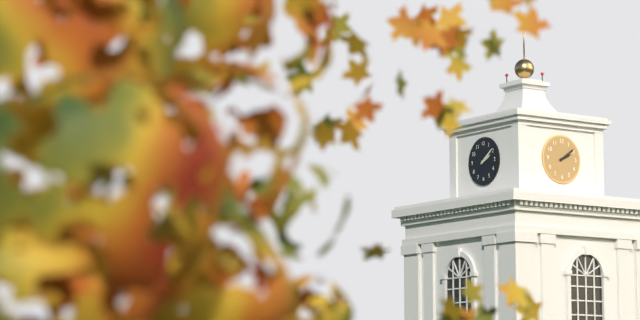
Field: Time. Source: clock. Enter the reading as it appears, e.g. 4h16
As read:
2h09
